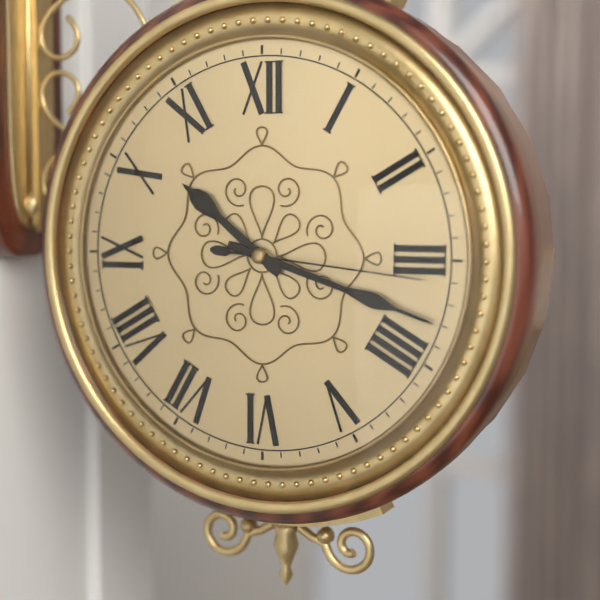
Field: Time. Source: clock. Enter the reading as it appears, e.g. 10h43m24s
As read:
10h18m16s
